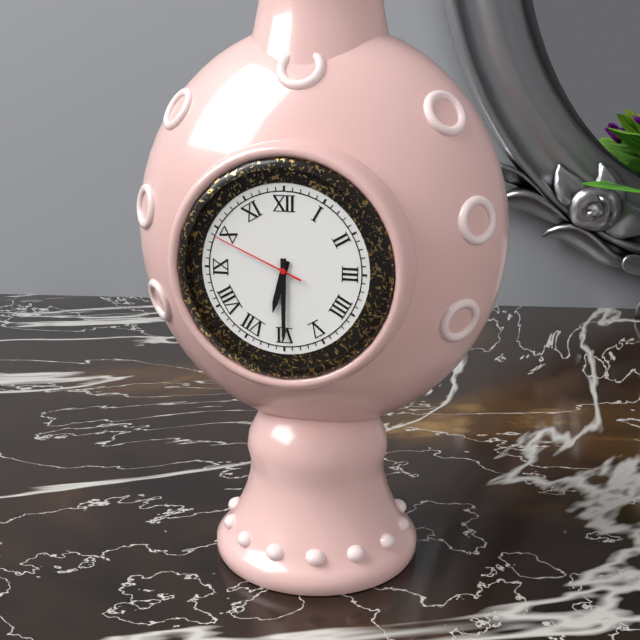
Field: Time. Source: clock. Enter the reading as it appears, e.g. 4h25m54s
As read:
6h30m49s
